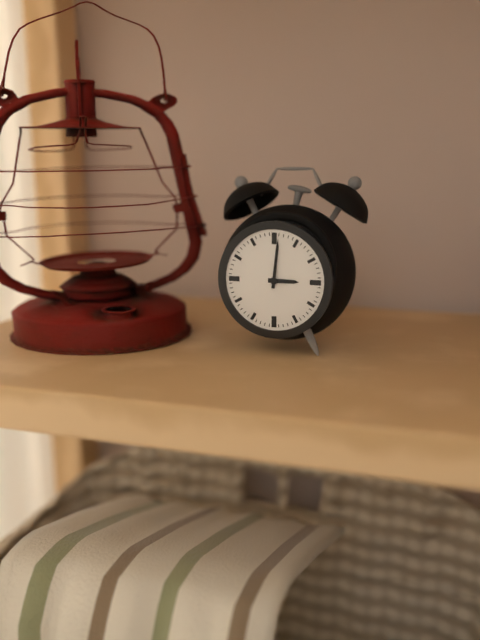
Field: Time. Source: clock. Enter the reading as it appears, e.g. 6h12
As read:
3h01
